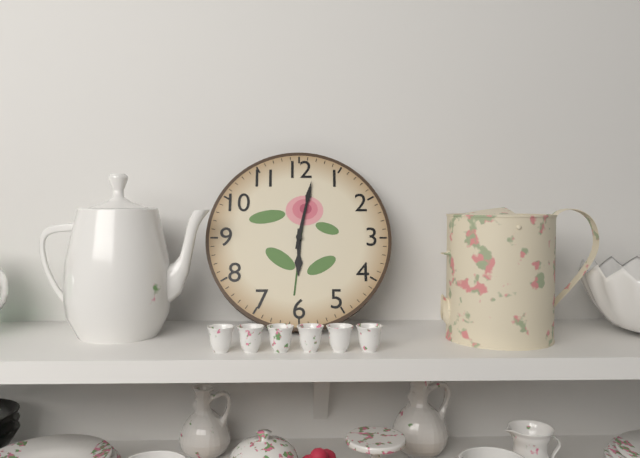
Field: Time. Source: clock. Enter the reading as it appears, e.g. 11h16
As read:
6h02
